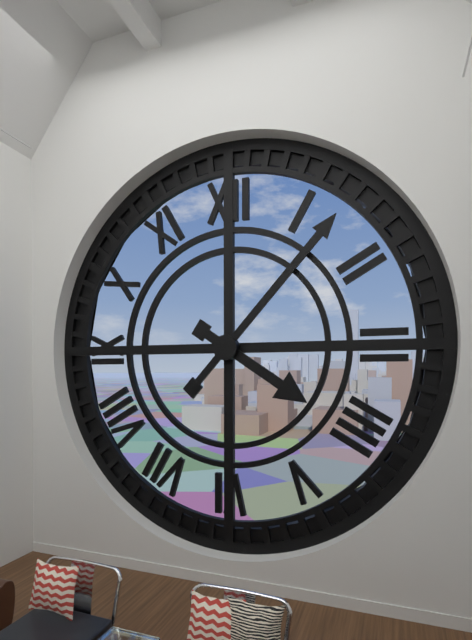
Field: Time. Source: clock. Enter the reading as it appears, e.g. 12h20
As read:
4h07
